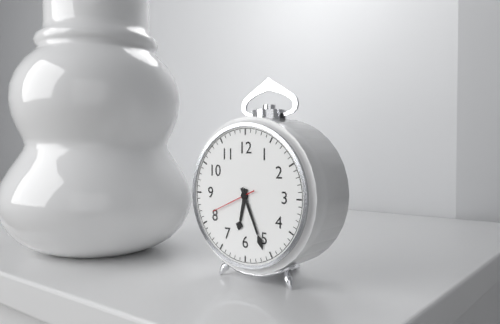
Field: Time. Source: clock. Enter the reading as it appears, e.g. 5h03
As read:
6h26
